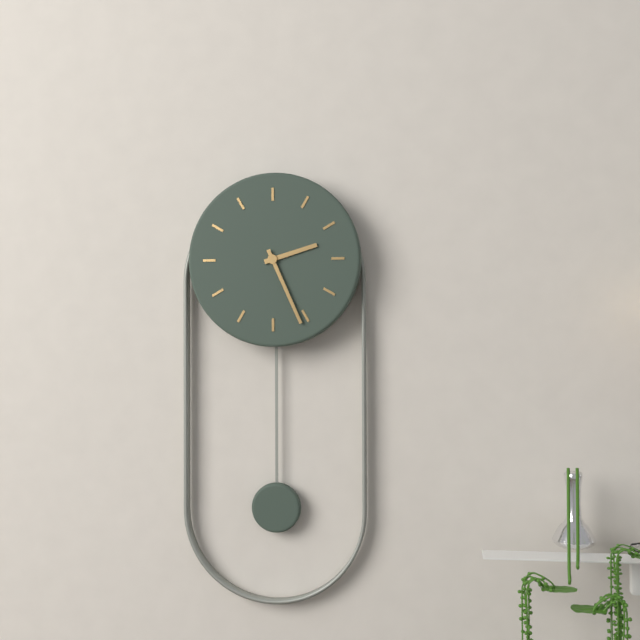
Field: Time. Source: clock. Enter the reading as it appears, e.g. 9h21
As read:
2h26
